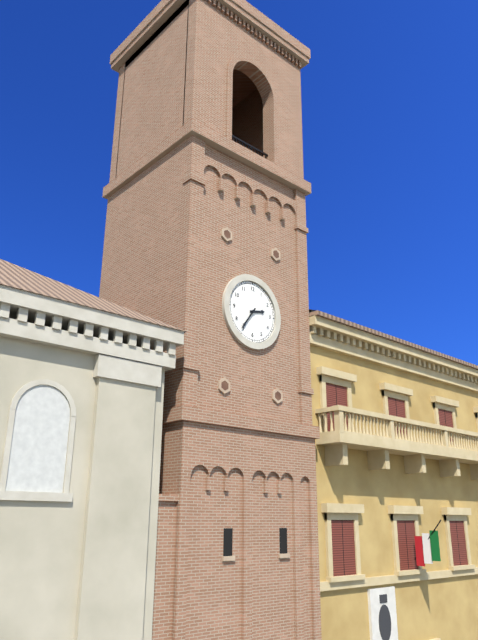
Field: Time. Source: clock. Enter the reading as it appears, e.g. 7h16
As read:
2h36
